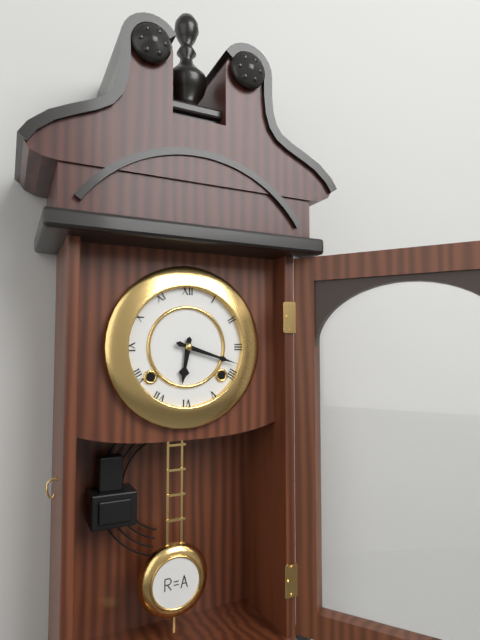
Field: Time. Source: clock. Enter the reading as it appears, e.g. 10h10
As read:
6h18
